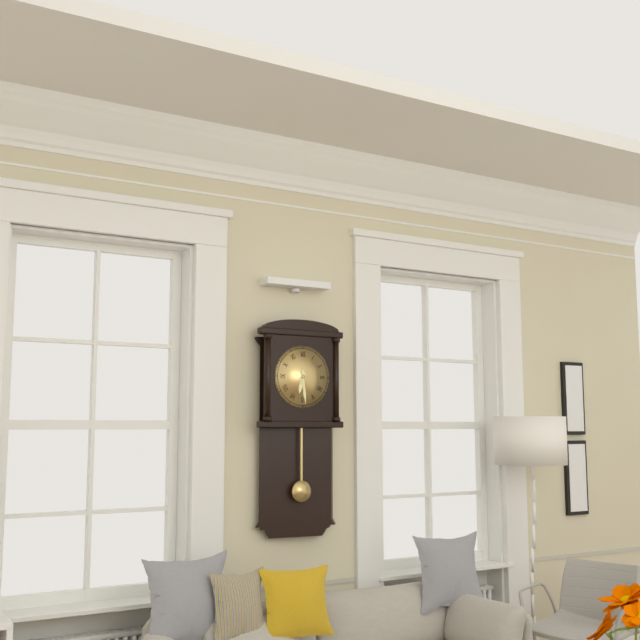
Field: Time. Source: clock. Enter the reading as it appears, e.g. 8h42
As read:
6h29
